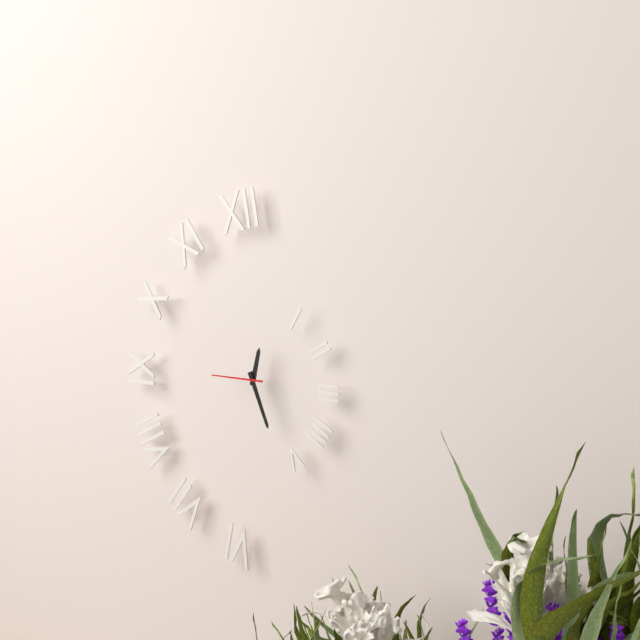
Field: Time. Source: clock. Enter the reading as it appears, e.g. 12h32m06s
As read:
12h26m45s
